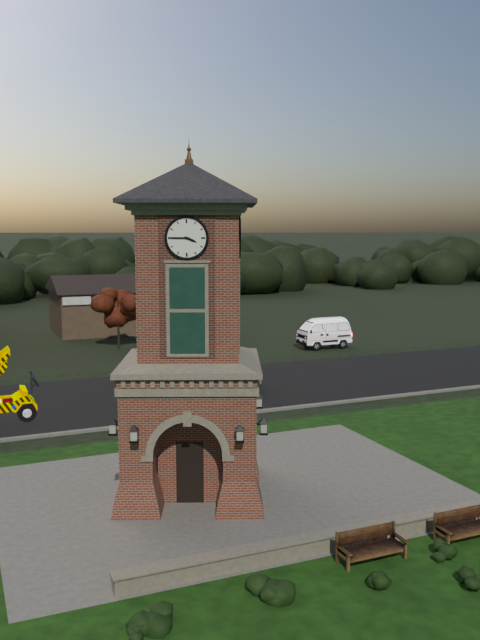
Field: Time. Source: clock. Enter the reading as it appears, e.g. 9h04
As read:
3h45
